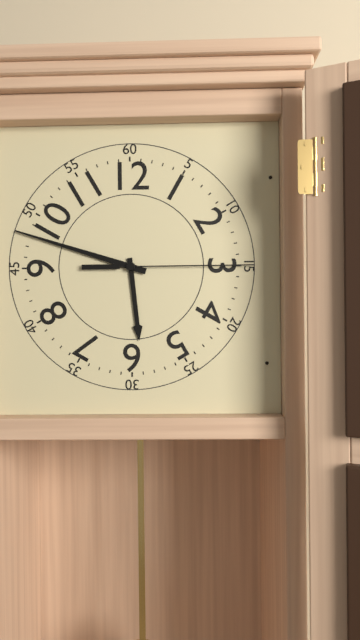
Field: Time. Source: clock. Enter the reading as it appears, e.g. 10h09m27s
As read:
5h48m15s
